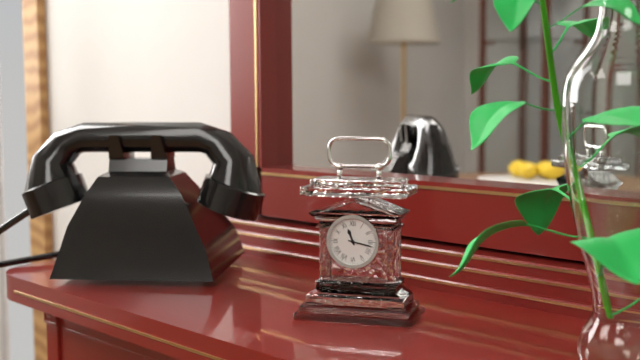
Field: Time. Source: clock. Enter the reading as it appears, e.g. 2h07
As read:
11h17
